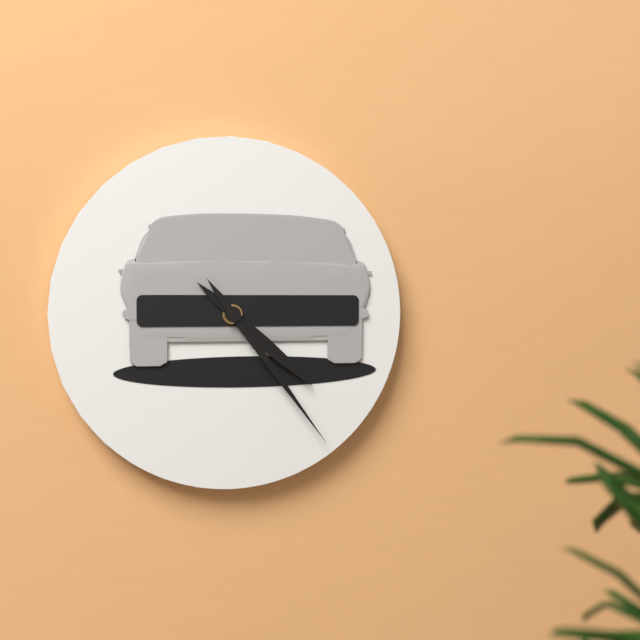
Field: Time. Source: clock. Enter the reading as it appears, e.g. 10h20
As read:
4h24
